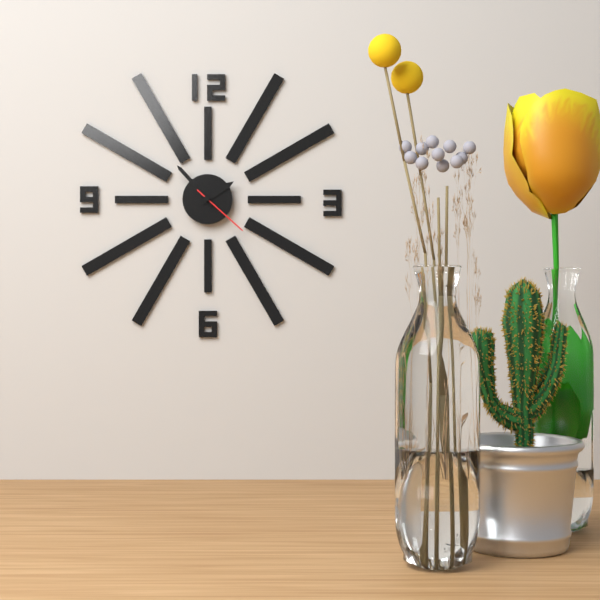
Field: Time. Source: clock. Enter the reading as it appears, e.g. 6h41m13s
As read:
1h53m22s
